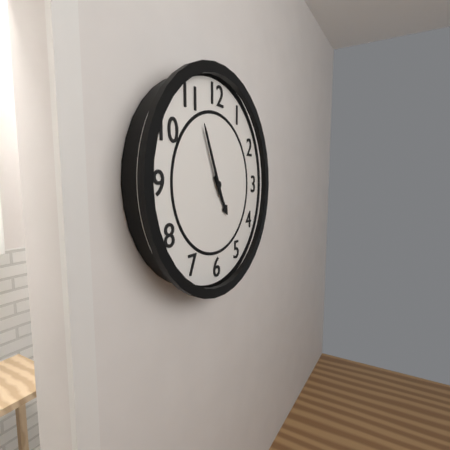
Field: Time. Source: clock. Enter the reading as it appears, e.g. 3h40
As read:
4h56
